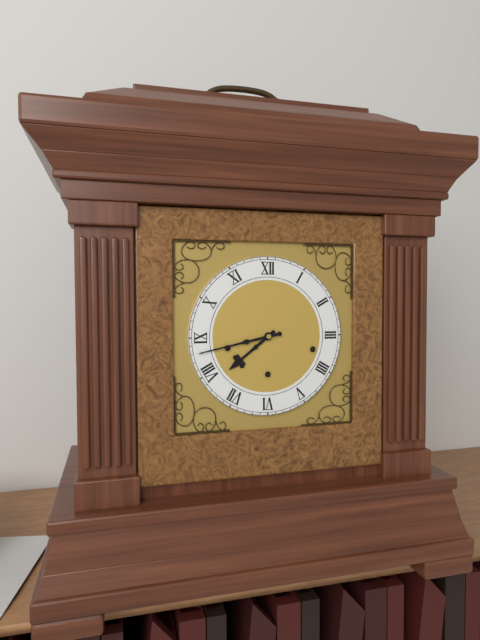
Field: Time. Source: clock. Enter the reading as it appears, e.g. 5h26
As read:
7h43
